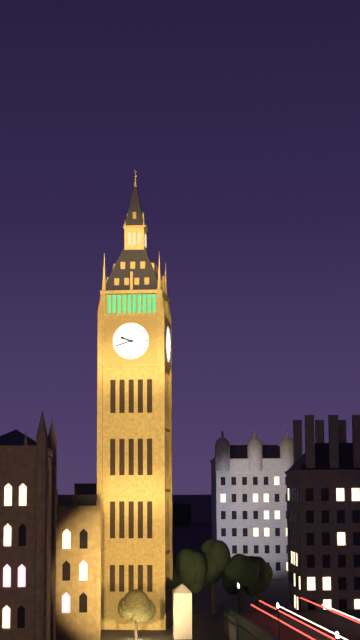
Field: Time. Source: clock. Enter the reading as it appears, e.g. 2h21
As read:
9h42
